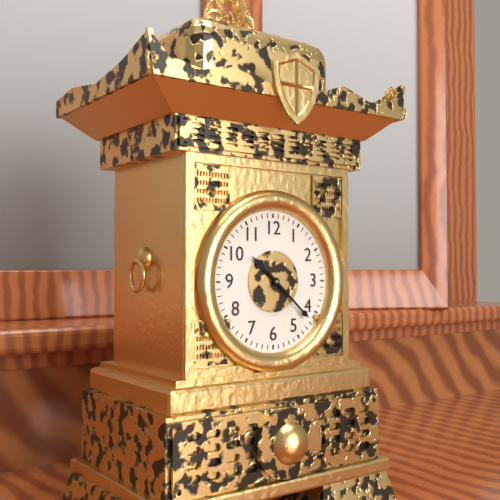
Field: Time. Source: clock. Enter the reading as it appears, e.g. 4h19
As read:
10h22
